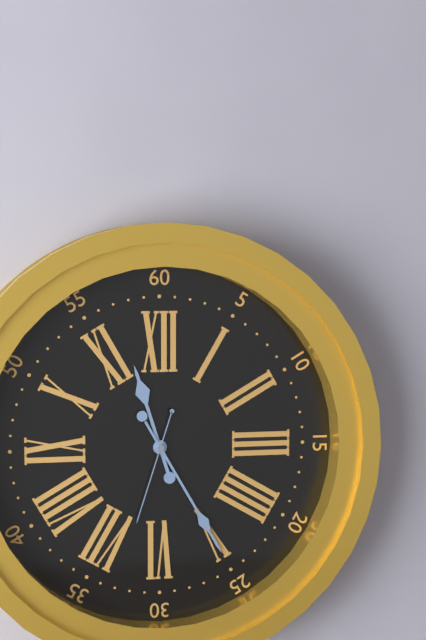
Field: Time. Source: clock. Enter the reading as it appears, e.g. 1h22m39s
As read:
11h25m33s
